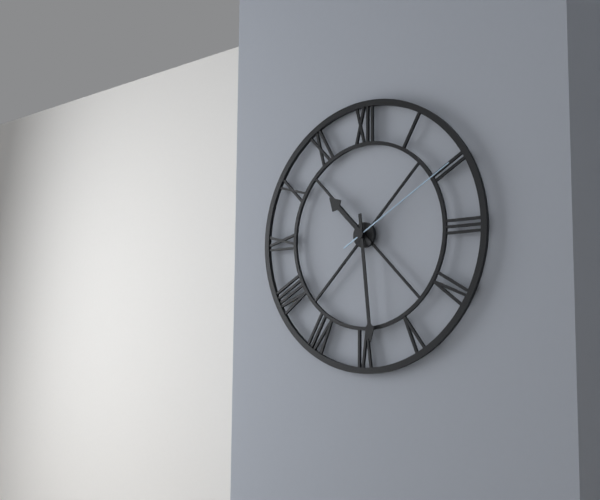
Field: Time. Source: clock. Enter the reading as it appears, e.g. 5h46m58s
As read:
10h29m10s
